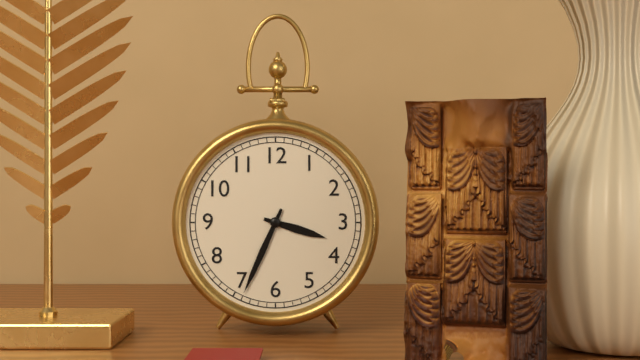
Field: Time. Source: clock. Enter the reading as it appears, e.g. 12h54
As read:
3h34
